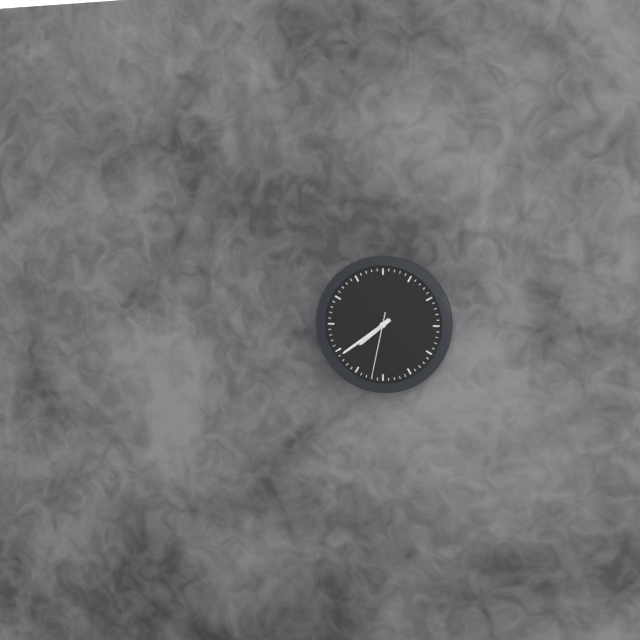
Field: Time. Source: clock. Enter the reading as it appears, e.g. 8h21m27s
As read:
7h39m32s
